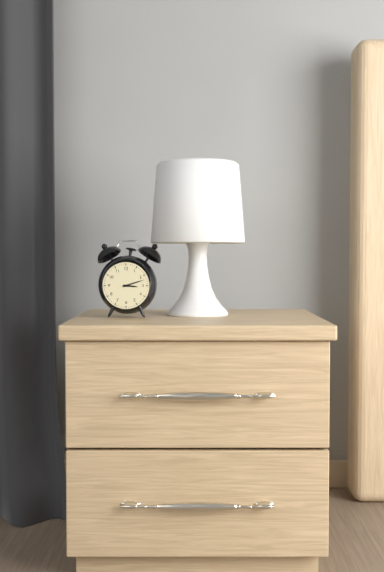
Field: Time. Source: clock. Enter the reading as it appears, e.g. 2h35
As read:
3h12
